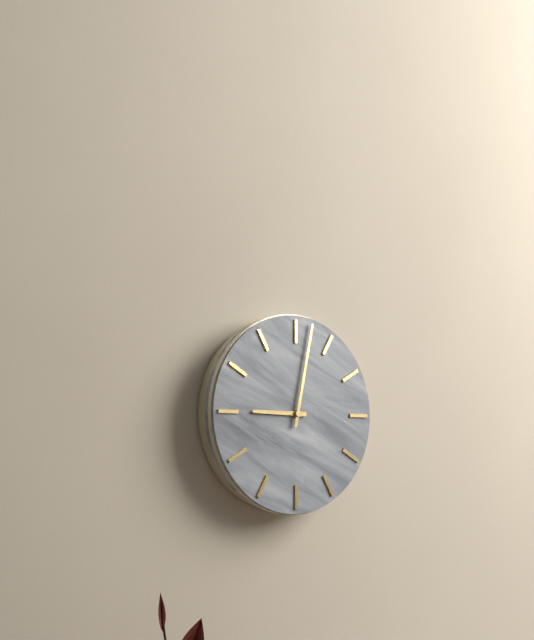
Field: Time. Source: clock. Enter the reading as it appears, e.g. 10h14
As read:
9h02
